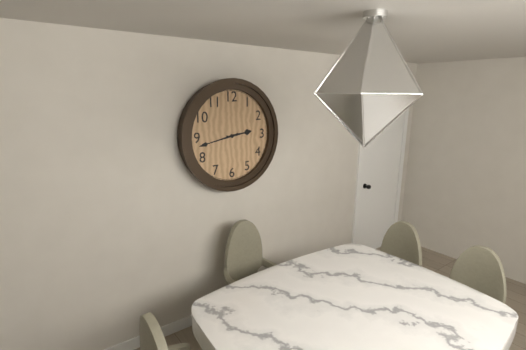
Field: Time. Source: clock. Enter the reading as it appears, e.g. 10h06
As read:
2h43
